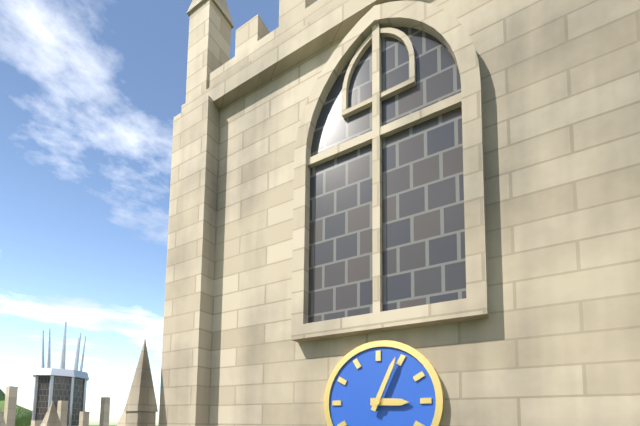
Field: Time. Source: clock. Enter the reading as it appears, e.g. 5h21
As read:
3h04
